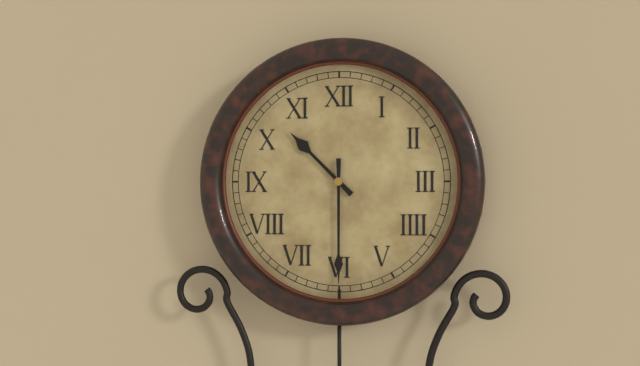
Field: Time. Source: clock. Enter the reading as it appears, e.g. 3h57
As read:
10h30
